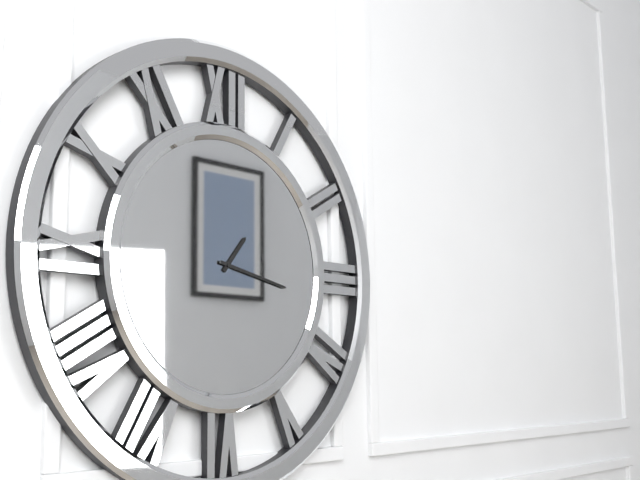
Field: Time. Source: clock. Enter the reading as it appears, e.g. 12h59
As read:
1h17
